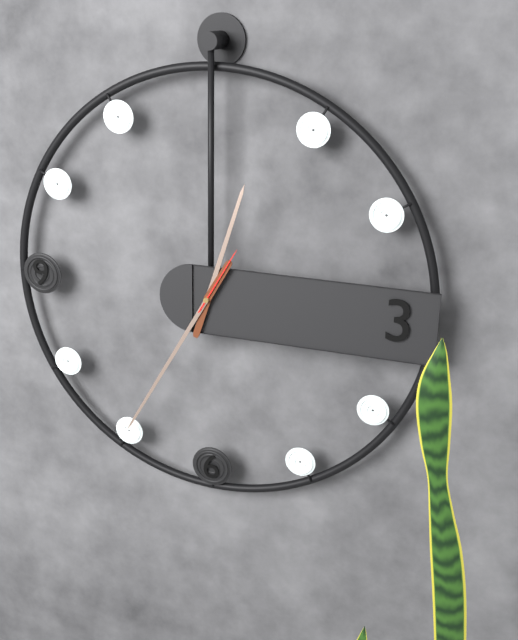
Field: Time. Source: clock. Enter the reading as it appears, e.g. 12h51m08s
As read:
12h35m05s
